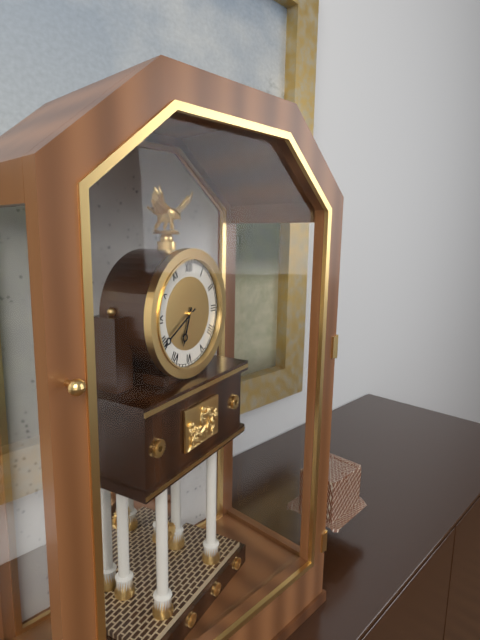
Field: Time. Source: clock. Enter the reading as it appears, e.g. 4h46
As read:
6h40
